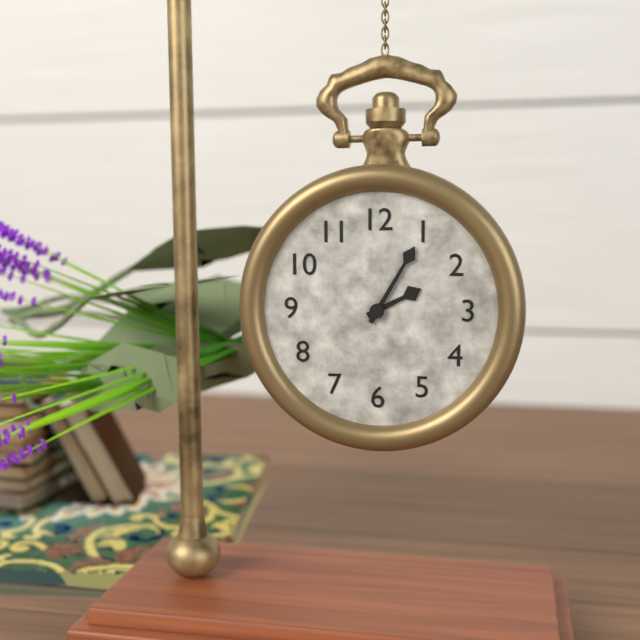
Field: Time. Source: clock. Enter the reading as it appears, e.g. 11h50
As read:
2h05
